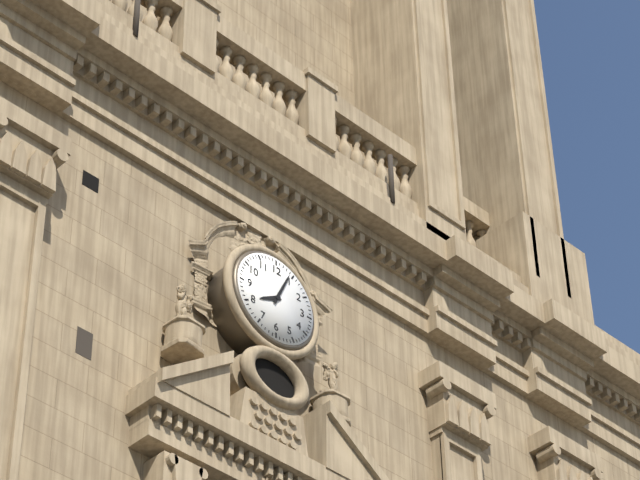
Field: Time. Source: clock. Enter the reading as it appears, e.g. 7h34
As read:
8h04
